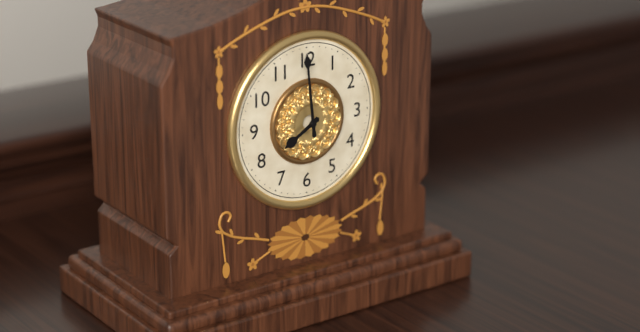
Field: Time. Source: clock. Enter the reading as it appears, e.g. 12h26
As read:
7h59
